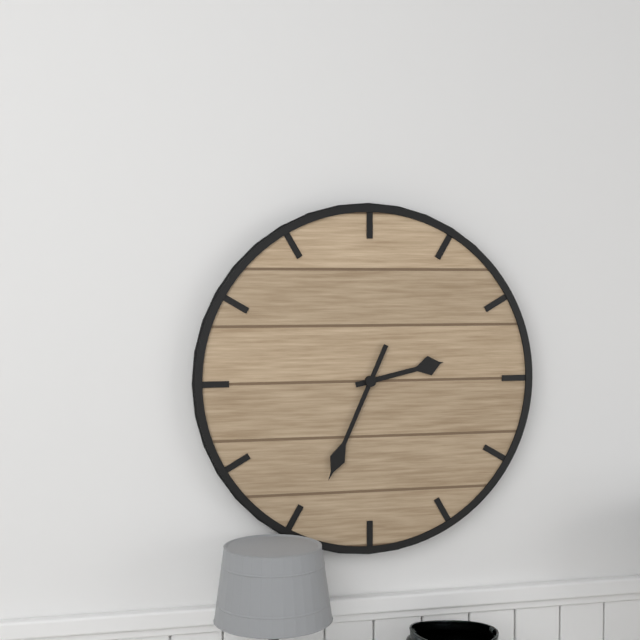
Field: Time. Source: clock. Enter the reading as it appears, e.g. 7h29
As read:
2h34
